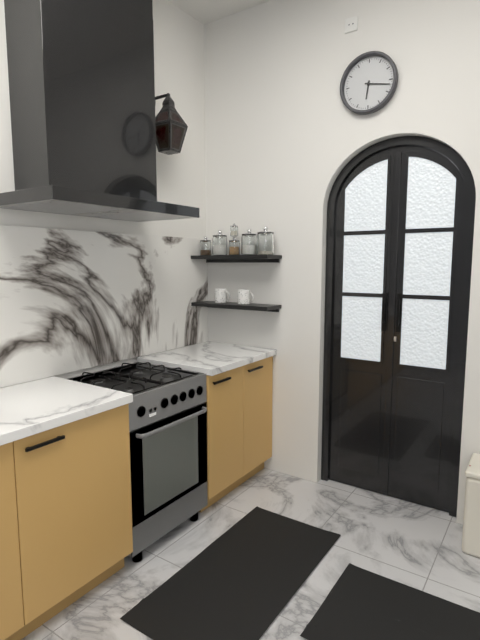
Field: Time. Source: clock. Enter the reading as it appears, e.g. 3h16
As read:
6h17
